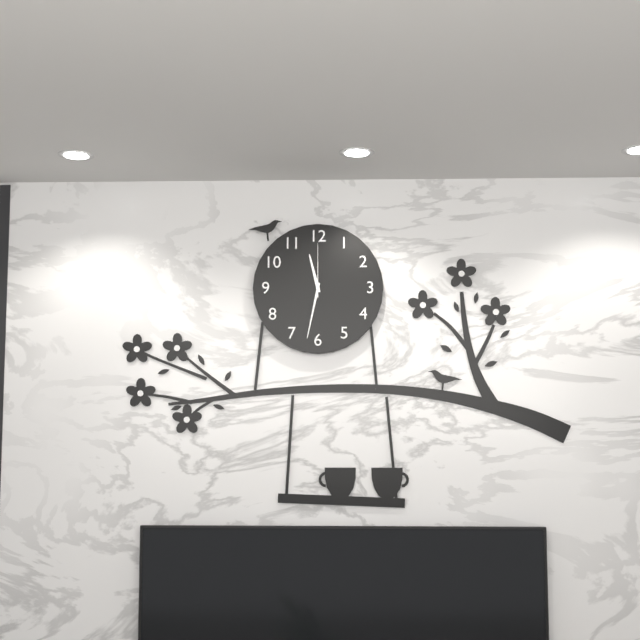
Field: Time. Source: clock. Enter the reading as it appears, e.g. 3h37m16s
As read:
11h32m00s
